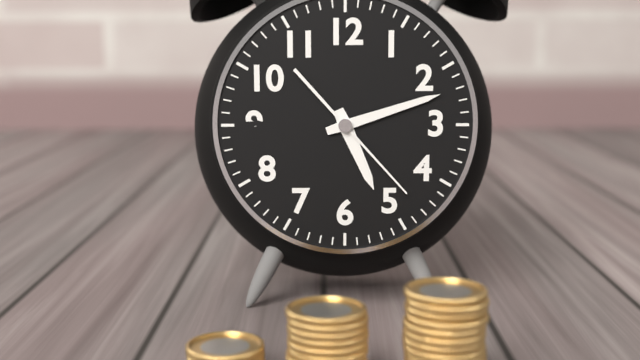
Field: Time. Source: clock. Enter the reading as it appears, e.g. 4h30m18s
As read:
5h12m23s
